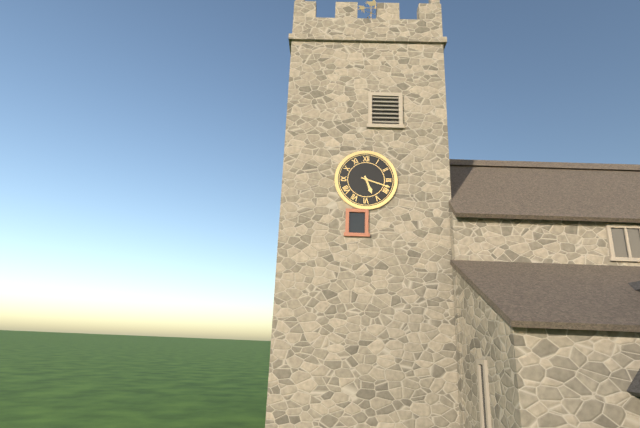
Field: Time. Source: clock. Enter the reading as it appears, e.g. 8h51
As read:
5h18
